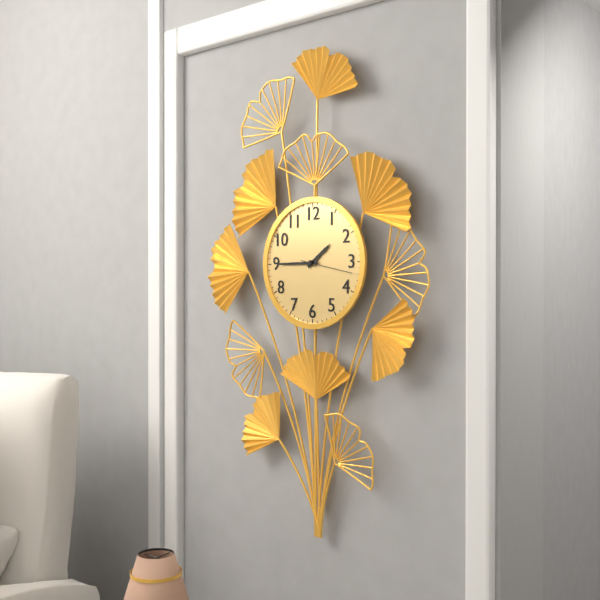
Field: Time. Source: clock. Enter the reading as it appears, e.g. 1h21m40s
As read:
1h45m17s
